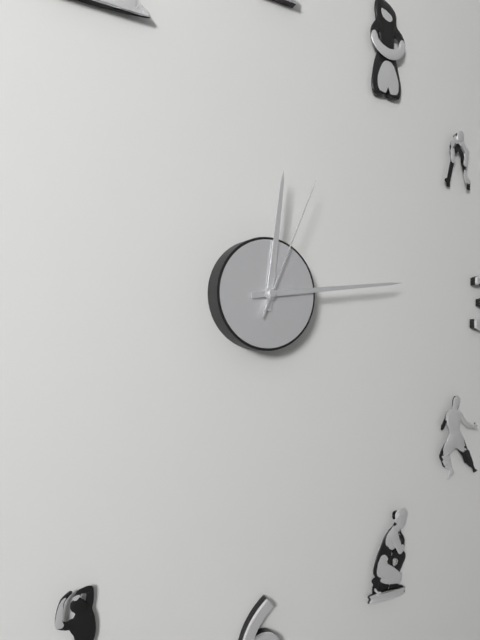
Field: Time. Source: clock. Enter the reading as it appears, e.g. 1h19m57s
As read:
12h14m04s
